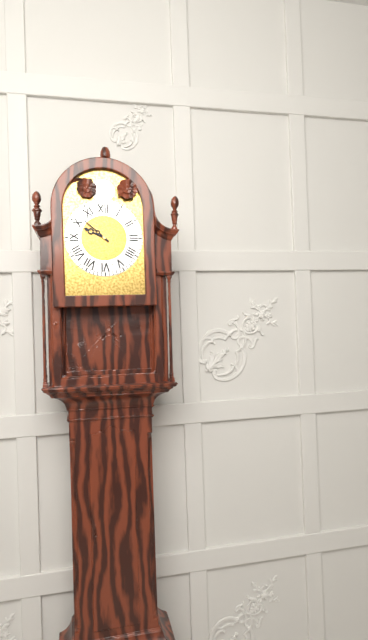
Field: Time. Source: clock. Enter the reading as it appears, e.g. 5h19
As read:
9h52
